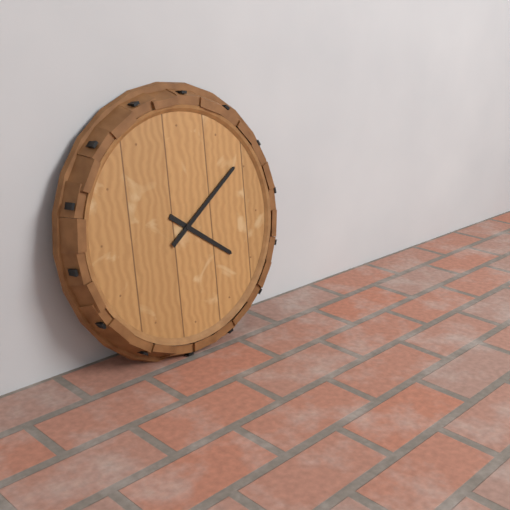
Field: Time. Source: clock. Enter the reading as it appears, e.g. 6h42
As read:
4h09
